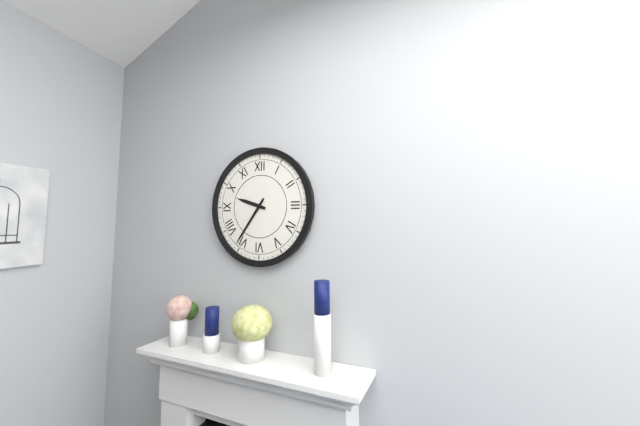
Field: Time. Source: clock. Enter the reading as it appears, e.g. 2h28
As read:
9h36
